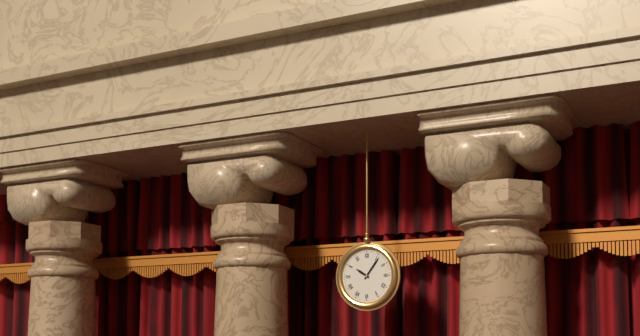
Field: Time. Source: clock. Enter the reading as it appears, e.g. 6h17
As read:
10h06
